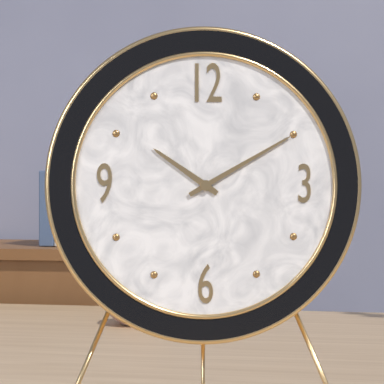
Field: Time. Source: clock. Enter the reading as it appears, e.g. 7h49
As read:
10h10
